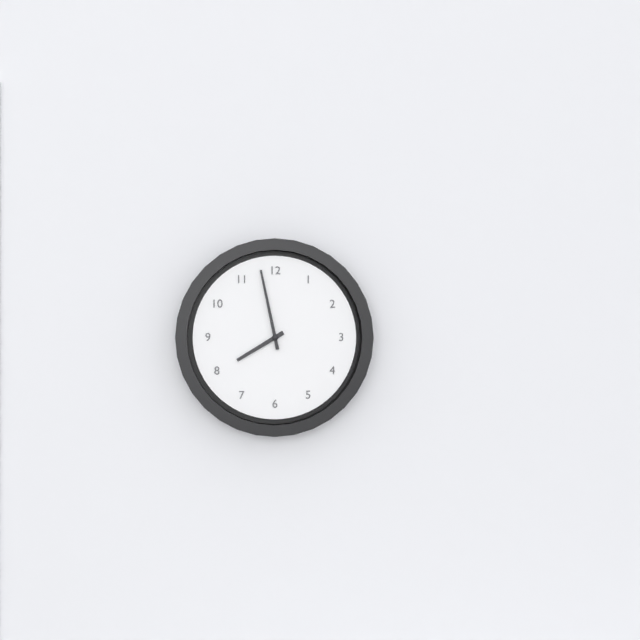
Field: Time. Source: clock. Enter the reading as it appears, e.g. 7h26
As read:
7h58
